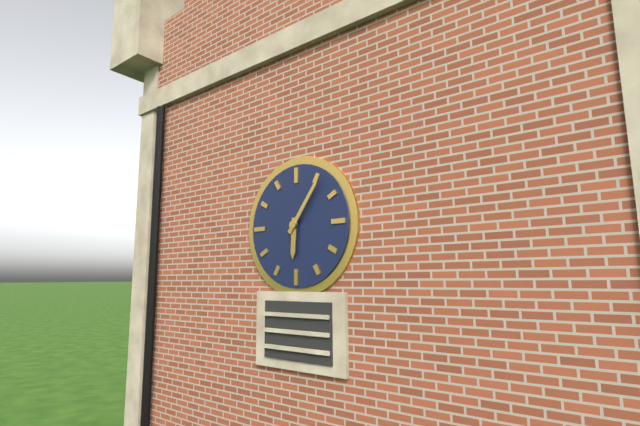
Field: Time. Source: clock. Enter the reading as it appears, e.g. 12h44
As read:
6h06
